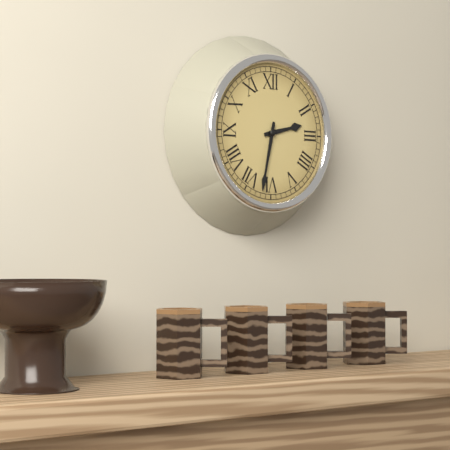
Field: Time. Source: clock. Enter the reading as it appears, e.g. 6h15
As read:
2h32
